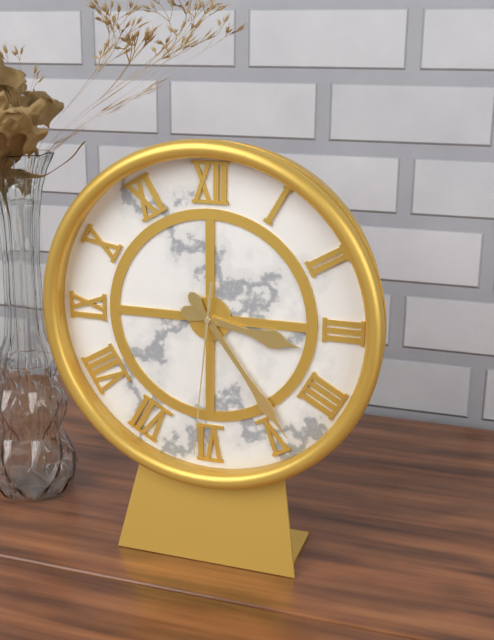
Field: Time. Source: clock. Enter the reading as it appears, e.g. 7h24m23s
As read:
3h24m31s
